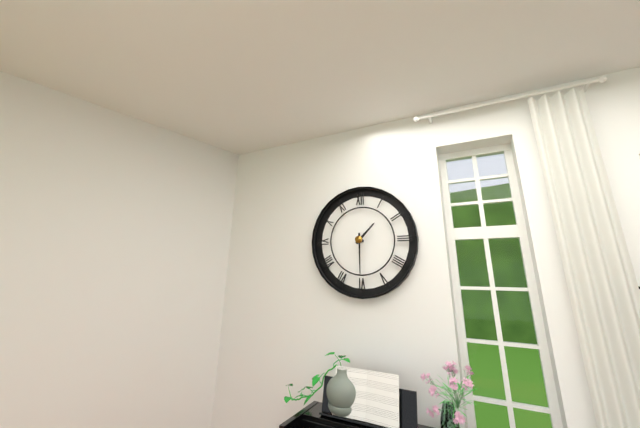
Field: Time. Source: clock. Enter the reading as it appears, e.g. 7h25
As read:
1h30
